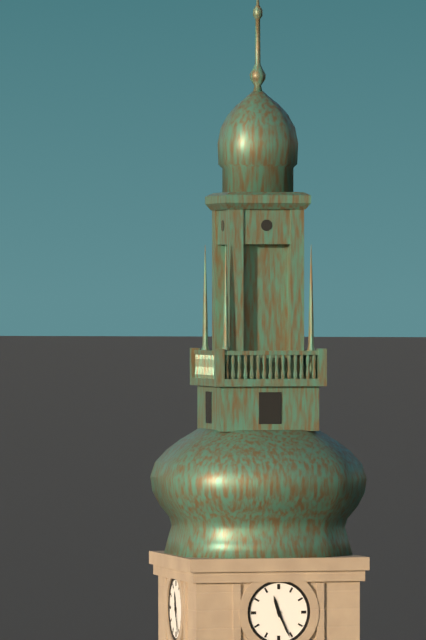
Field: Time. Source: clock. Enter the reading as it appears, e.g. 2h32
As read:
11h26
